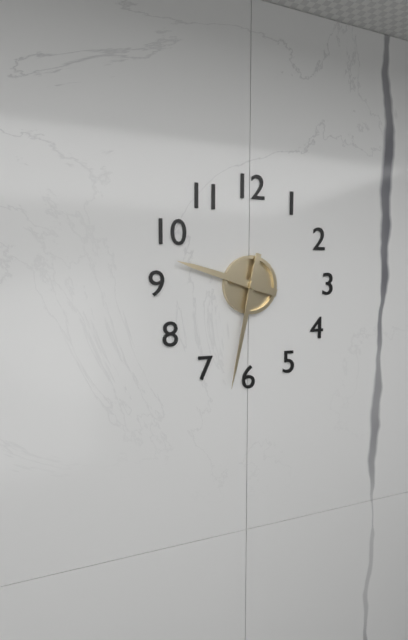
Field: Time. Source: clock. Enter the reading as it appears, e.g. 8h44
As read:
9h32
